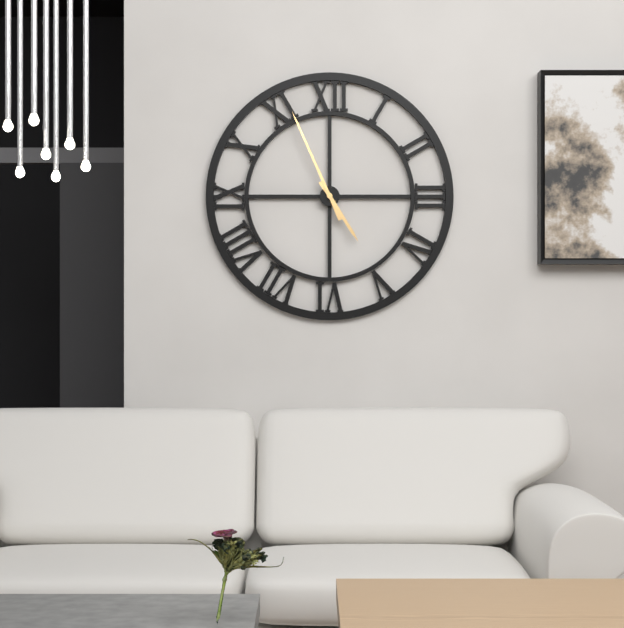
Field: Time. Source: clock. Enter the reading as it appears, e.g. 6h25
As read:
4h56
